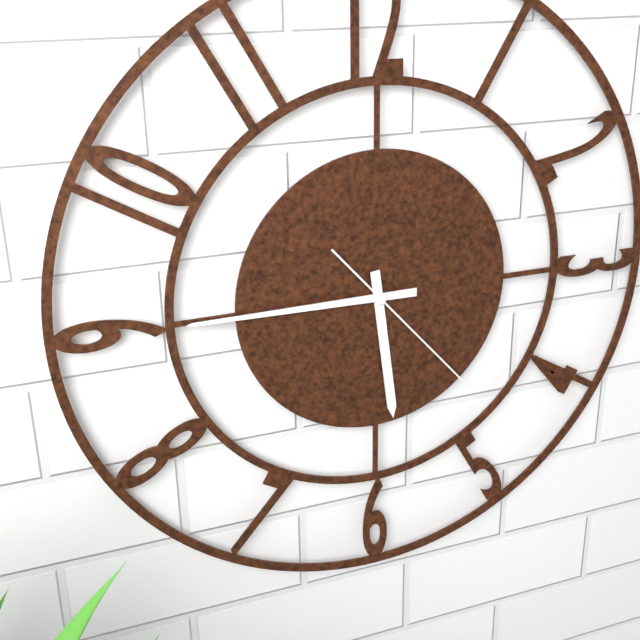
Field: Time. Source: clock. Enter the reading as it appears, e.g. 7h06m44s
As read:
5h45m23s
